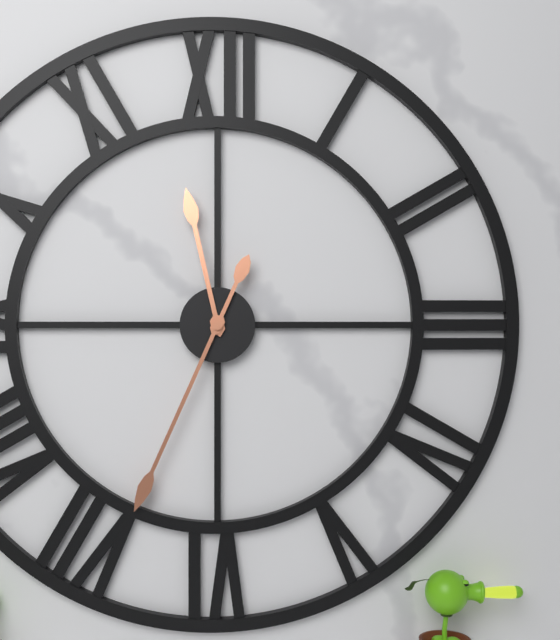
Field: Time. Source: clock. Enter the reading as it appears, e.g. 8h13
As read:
11h34
